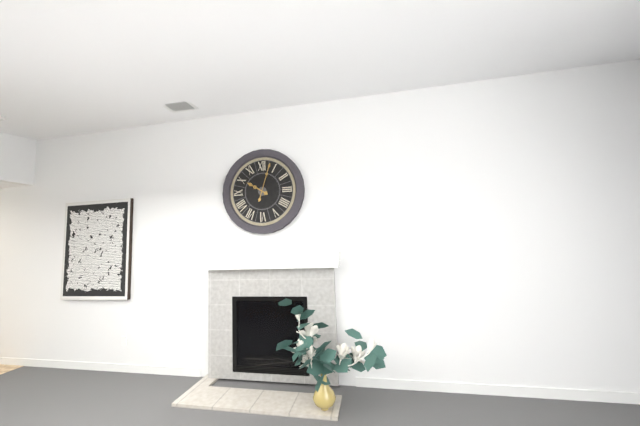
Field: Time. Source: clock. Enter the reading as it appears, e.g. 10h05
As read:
10h03
